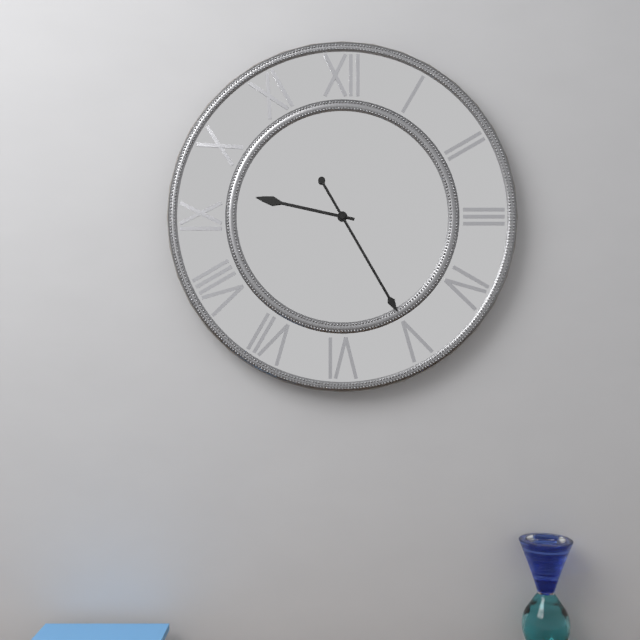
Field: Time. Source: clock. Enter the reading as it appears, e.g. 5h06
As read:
9h25
